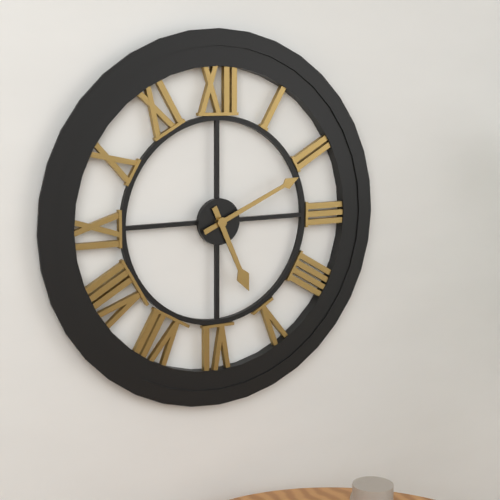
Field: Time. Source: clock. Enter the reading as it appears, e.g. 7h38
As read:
5h11
